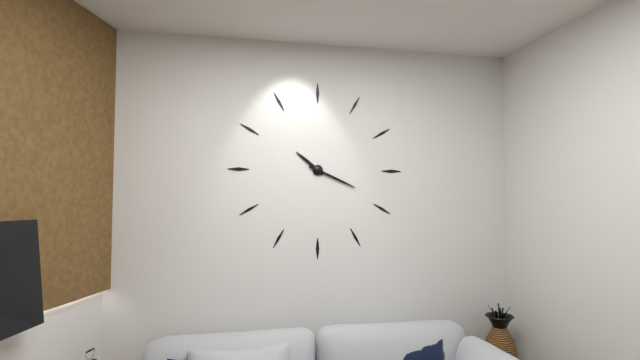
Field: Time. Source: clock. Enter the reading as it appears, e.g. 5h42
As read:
10h19
